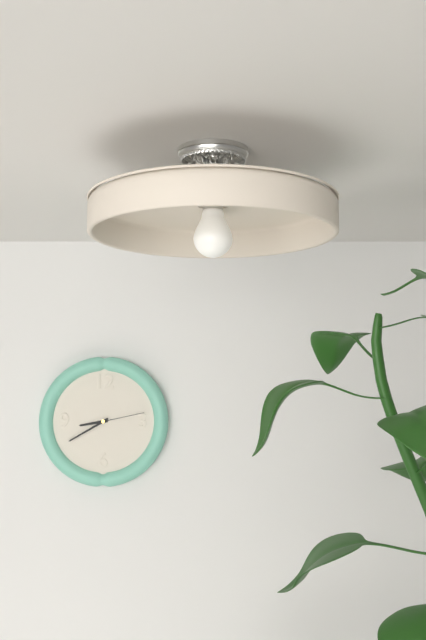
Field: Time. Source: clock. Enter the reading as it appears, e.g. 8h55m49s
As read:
8h40m13s
